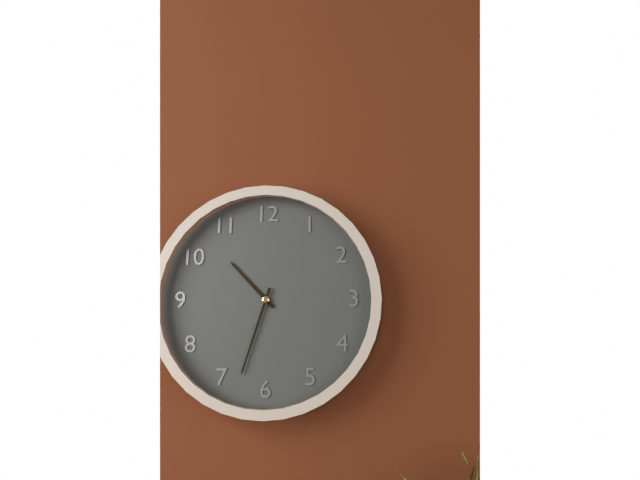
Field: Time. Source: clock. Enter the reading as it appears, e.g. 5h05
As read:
10h33
